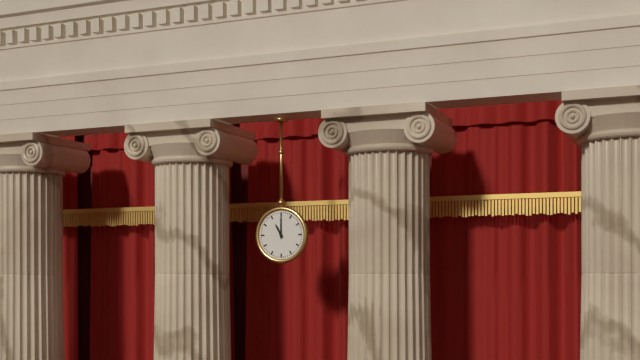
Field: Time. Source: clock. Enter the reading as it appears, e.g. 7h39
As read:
11h00
